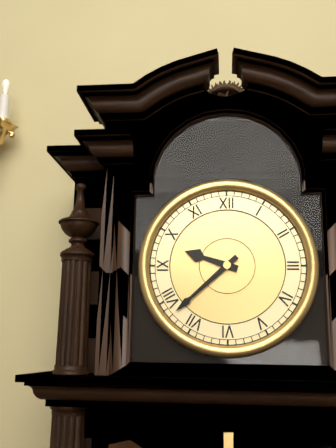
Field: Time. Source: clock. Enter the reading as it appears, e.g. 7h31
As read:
9h38
